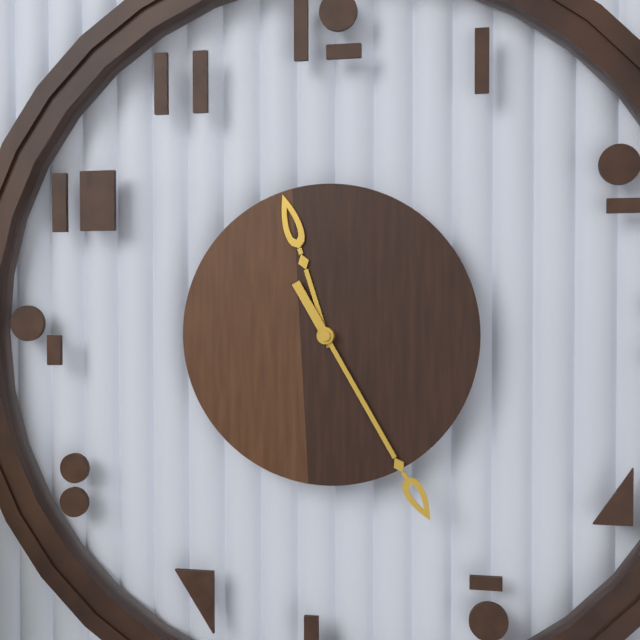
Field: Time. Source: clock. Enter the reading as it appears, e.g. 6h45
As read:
11h25
